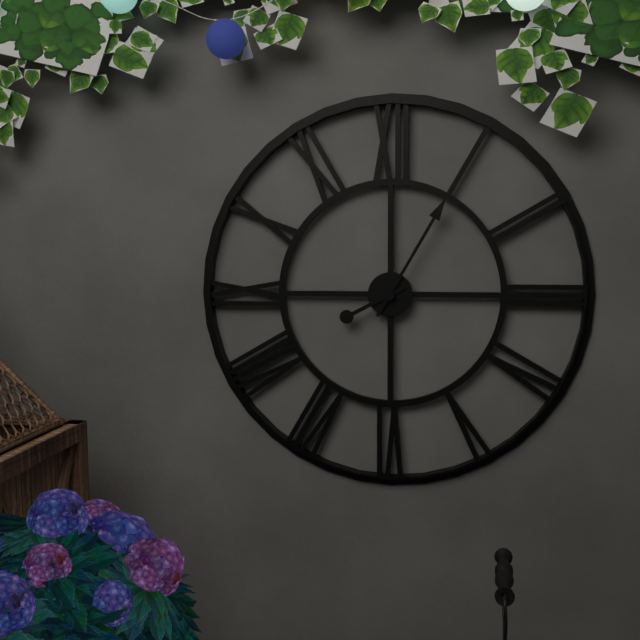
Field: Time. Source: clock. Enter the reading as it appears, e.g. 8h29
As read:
8h05
